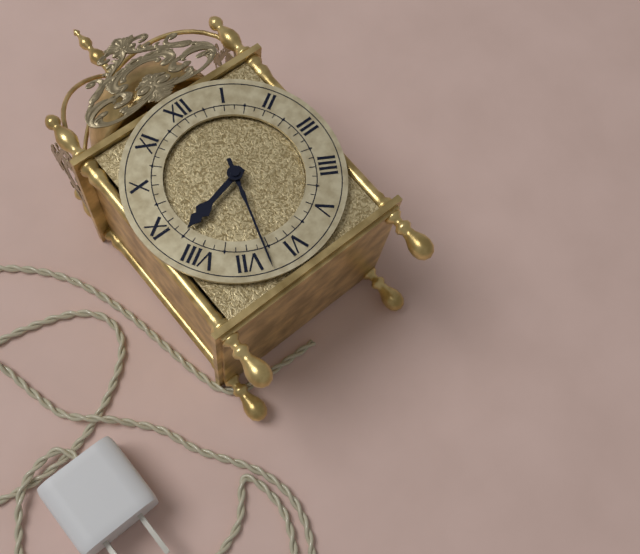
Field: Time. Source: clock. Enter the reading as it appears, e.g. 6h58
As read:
8h33
